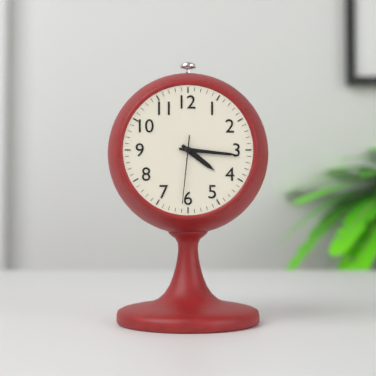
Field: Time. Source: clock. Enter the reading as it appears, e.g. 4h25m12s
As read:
4h16m31s
